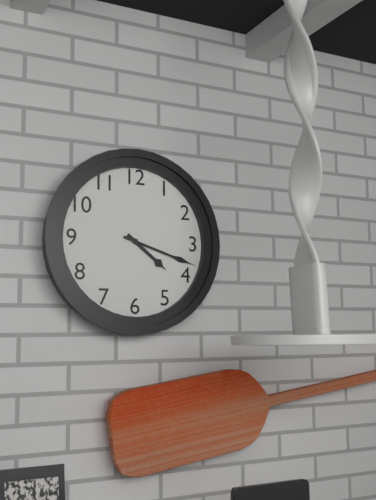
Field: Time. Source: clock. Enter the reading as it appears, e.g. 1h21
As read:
4h18
